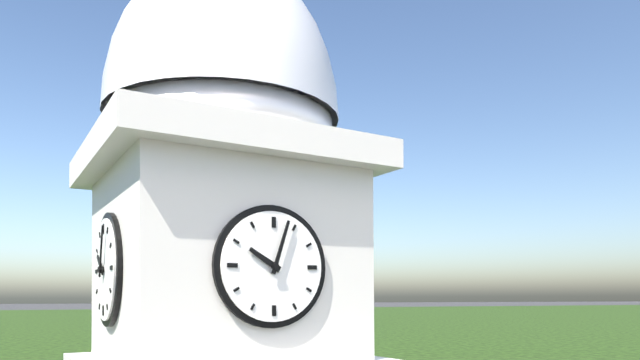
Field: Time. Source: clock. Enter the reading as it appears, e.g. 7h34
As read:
10h03
